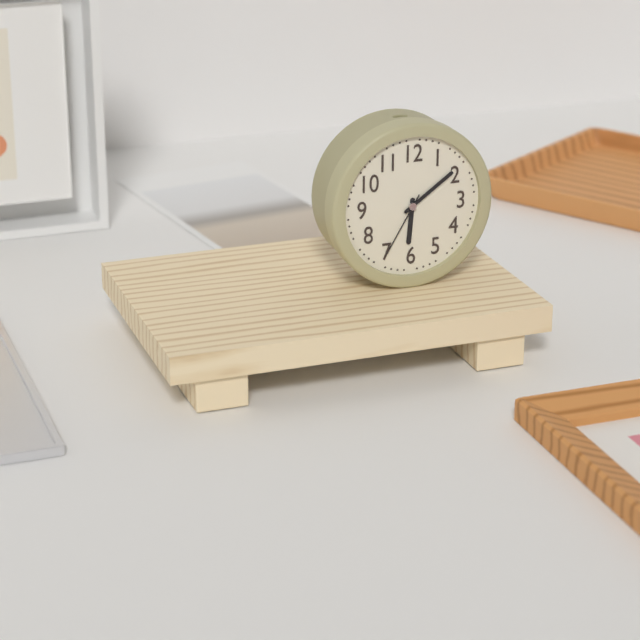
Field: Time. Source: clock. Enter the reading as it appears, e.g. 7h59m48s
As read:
6h09m35s
